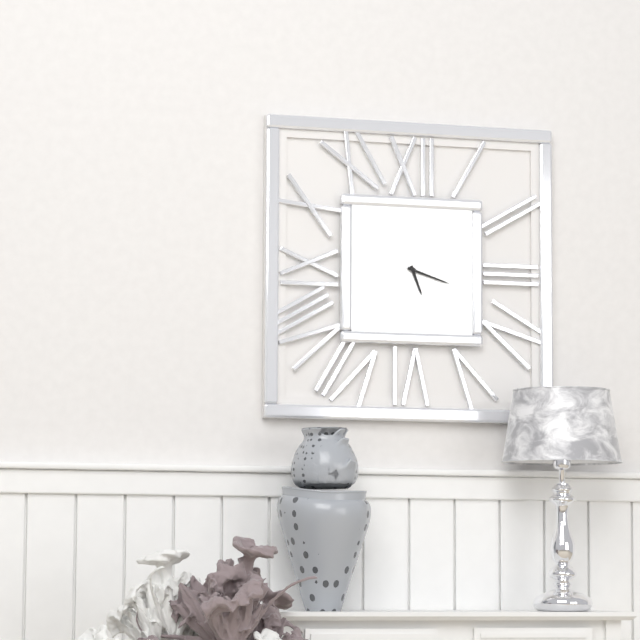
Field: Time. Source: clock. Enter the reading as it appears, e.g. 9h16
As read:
5h18
